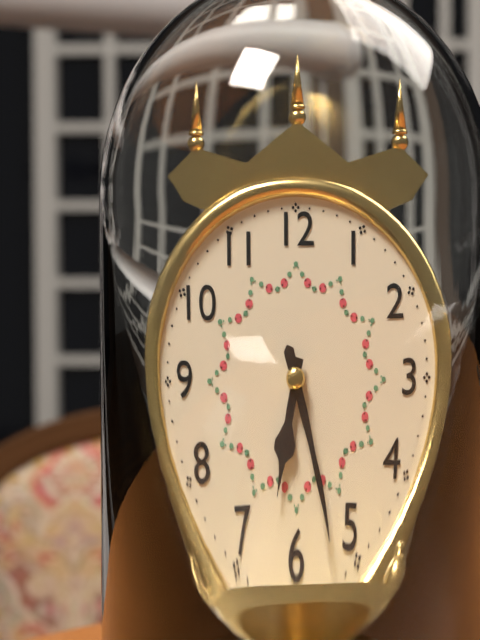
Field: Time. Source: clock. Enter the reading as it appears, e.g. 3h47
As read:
6h27
